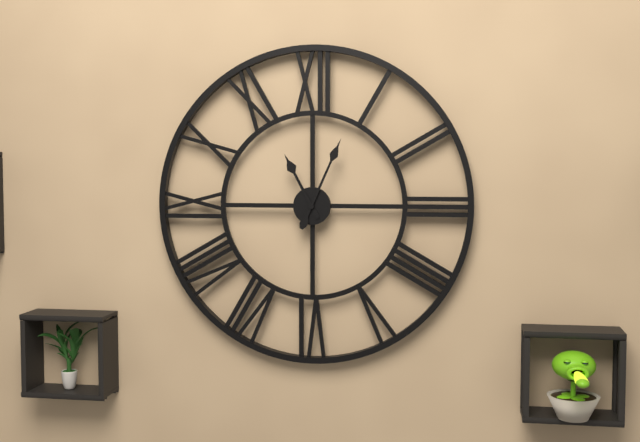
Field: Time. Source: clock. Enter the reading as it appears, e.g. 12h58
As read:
11h04
